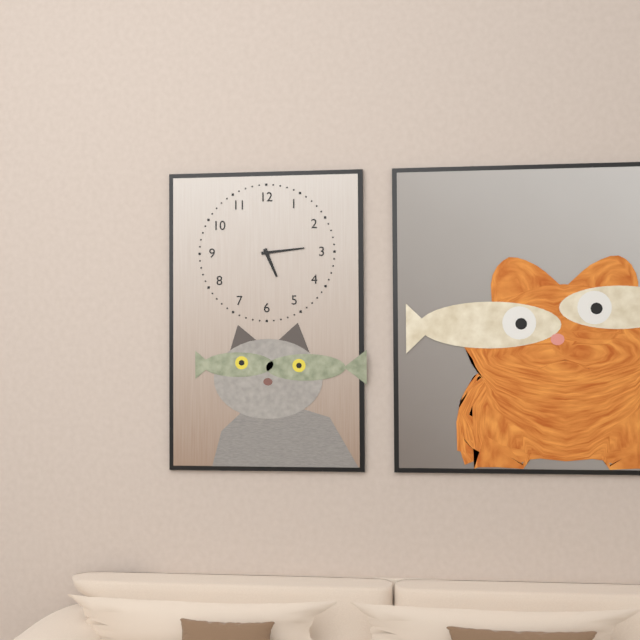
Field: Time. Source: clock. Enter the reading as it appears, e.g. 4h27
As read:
5h14
